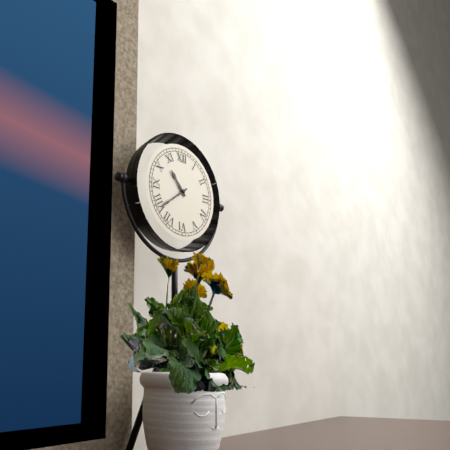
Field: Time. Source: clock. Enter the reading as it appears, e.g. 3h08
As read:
10h39
